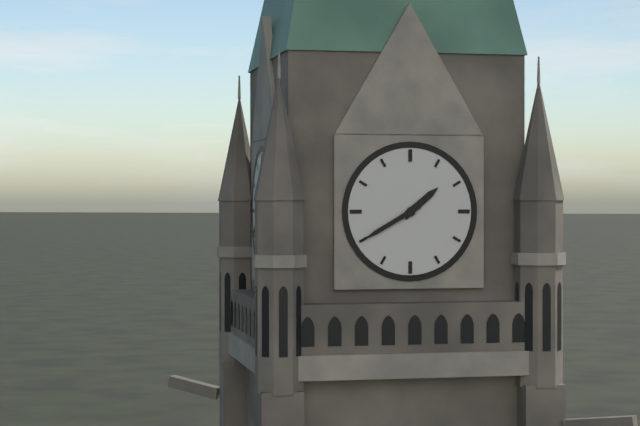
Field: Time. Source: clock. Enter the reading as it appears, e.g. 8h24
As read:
1h40
